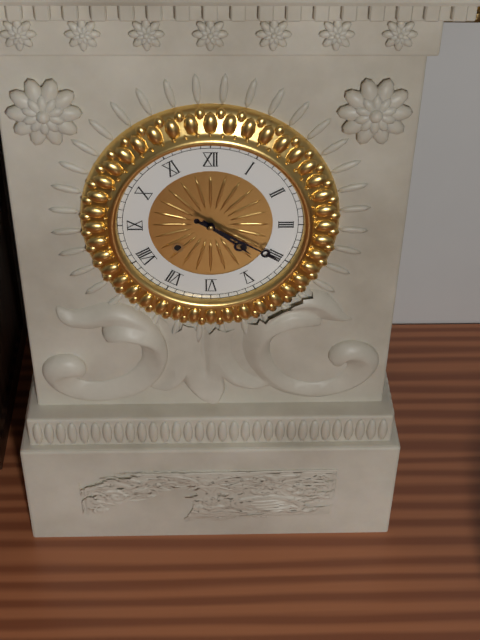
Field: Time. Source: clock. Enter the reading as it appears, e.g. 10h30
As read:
4h20
